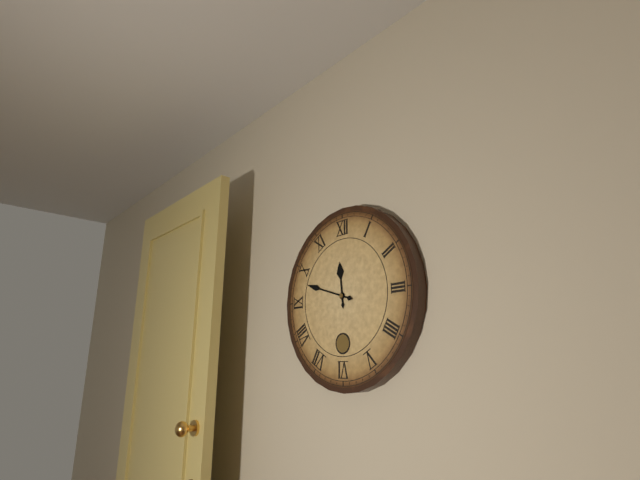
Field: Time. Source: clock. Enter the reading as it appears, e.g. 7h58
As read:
11h48
